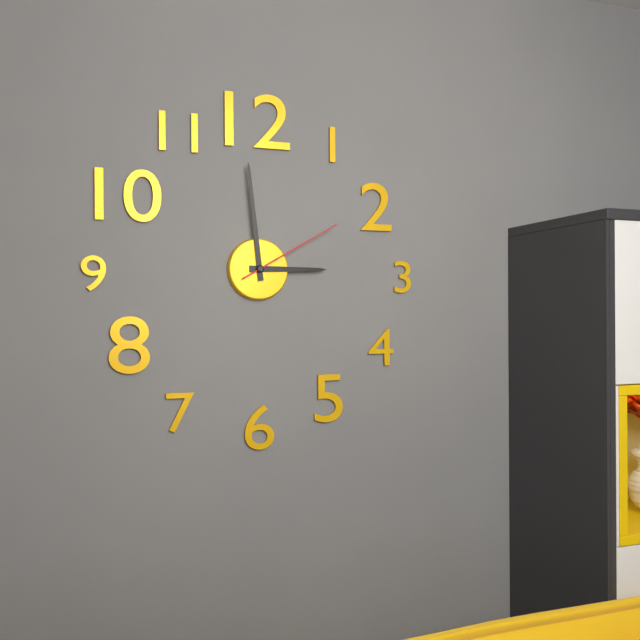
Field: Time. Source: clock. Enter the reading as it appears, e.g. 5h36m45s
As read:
2h59m10s
